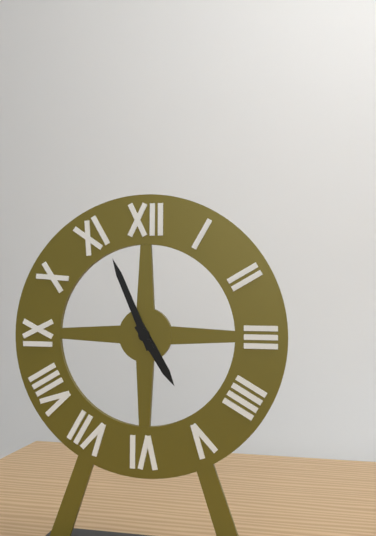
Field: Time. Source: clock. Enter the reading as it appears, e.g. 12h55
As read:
4h56
